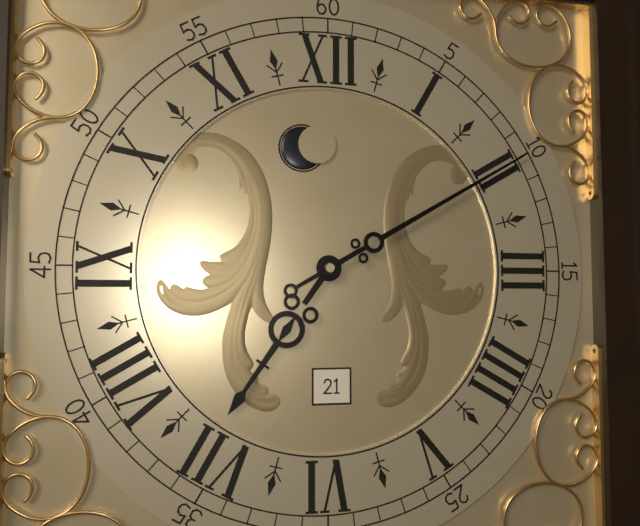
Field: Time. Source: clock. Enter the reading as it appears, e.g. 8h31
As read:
7h10
